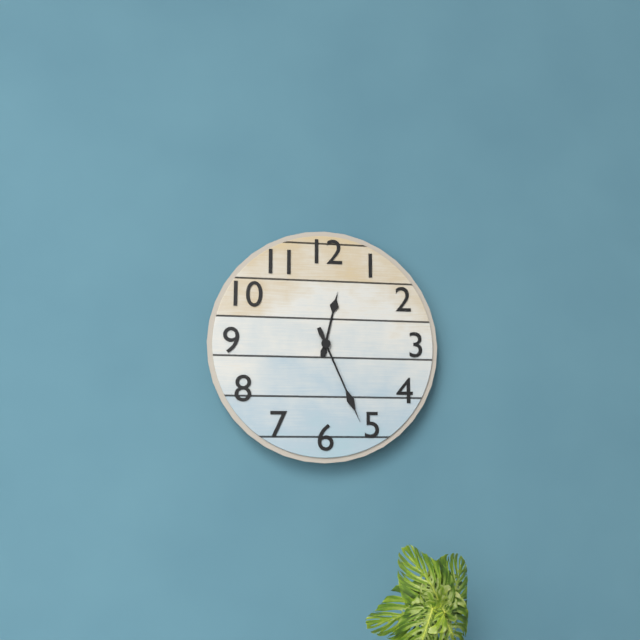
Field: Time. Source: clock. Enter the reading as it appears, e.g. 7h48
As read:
12h26
